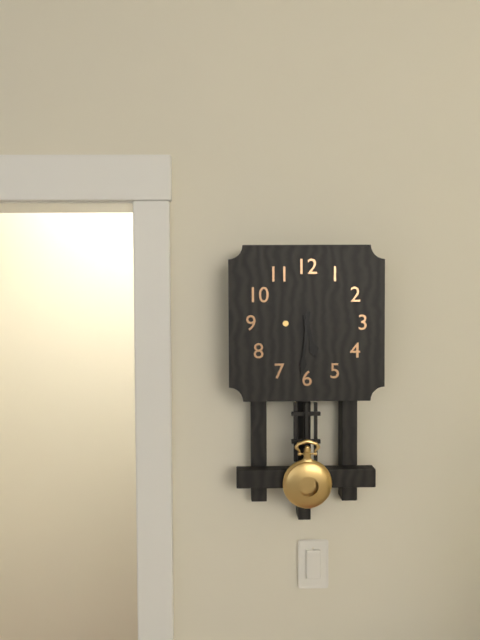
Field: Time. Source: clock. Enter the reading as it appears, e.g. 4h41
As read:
5h31
